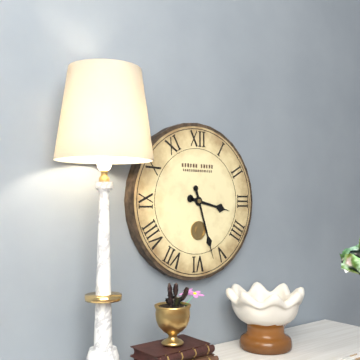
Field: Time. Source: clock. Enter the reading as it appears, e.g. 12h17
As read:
3h27
